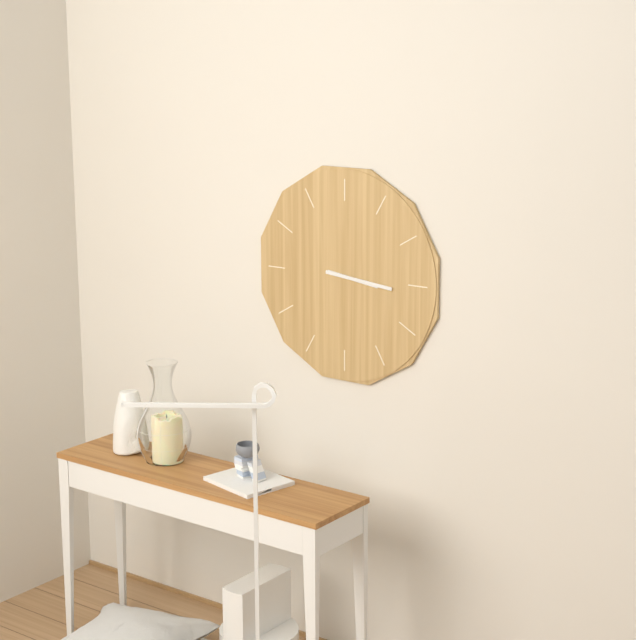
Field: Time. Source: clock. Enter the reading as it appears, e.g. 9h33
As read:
3h16
